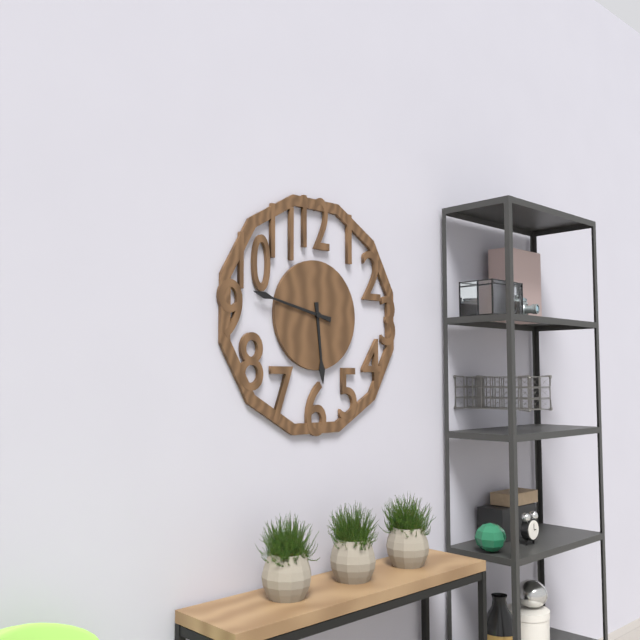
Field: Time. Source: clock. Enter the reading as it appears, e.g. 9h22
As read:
5h47
